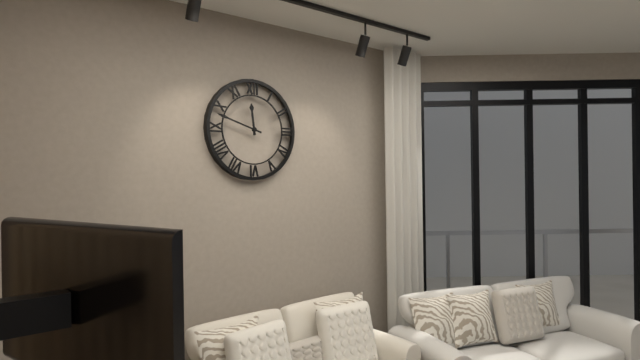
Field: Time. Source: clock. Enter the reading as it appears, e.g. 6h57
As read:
11h48
